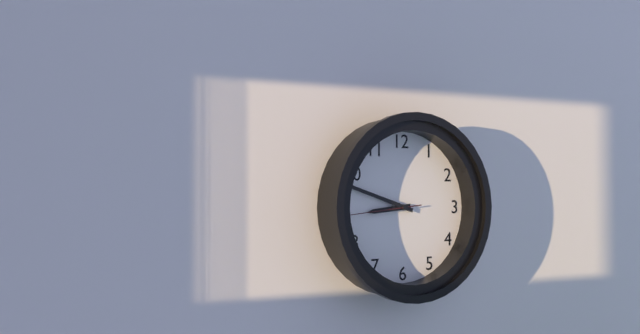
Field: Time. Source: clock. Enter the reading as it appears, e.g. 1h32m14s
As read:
8h48m44s
